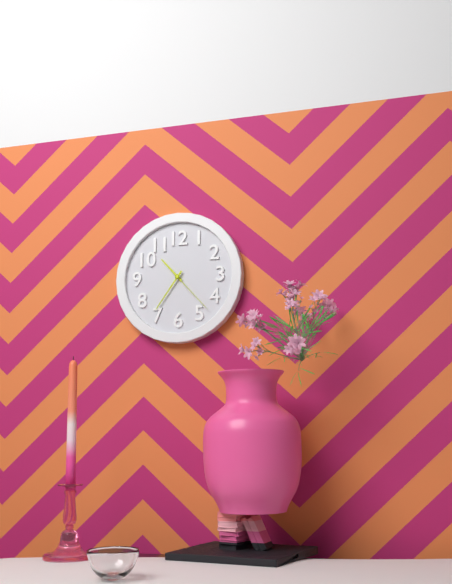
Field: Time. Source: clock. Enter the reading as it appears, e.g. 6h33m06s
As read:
10h36m23s
